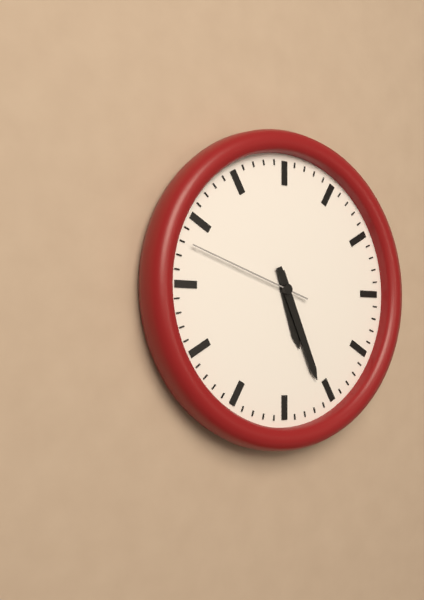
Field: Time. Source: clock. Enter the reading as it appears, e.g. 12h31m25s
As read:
5h26m48s
